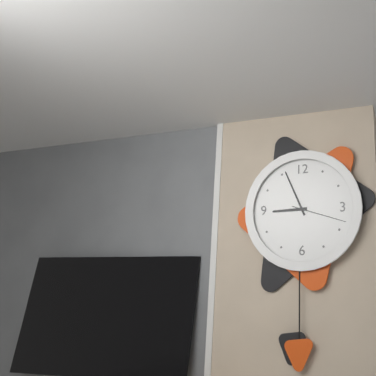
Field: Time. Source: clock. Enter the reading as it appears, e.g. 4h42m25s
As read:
8h56m18s
